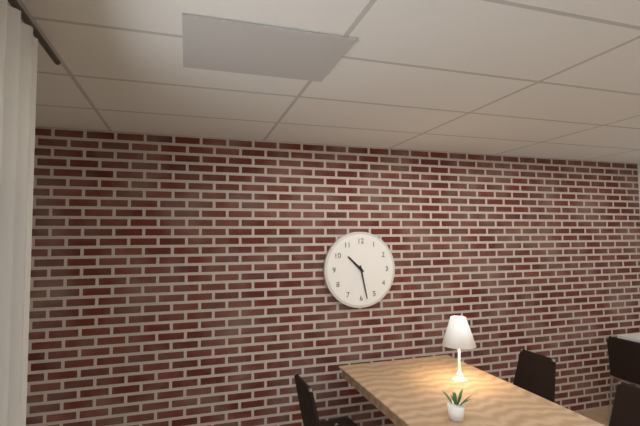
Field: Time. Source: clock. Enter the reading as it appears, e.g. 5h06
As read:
10h28
